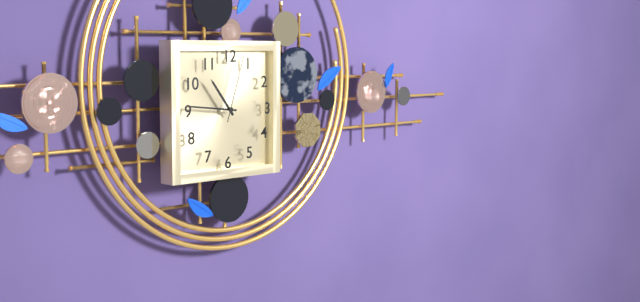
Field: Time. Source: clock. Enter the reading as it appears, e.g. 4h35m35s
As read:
10h46m03s
